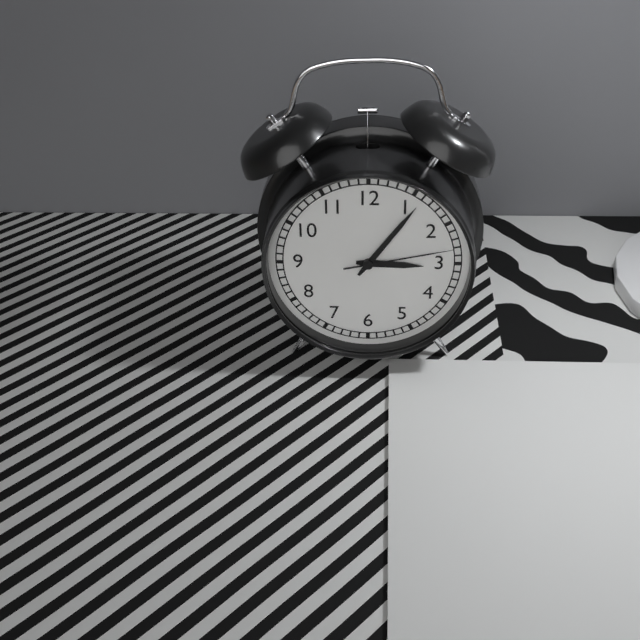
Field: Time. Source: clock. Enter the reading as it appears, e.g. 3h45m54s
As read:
3h06m13s
